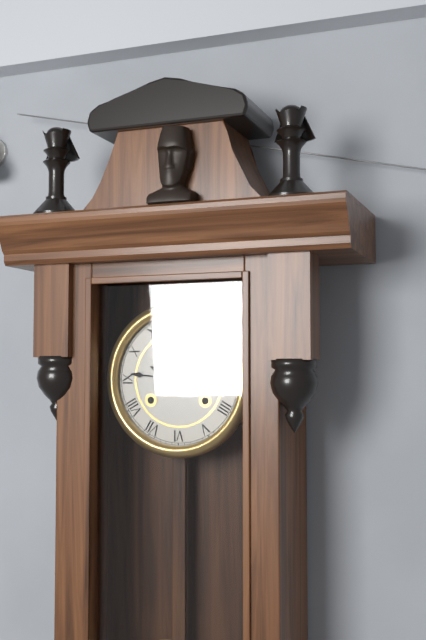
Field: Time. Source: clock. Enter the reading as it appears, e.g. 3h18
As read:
9h46
